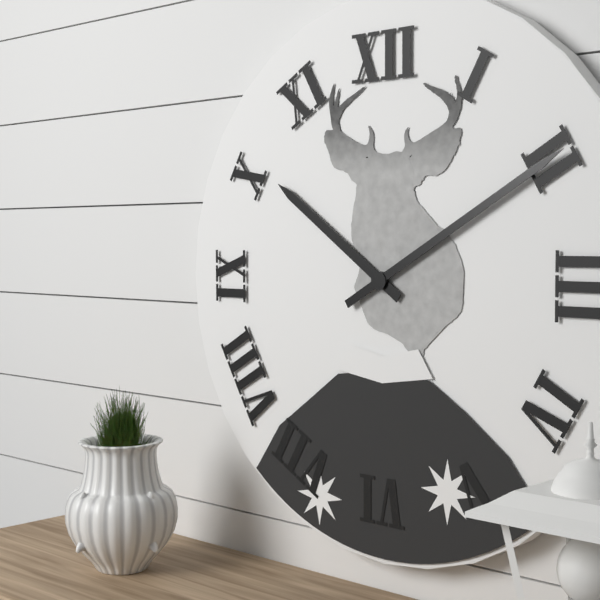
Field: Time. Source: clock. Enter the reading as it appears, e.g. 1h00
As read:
10h10
